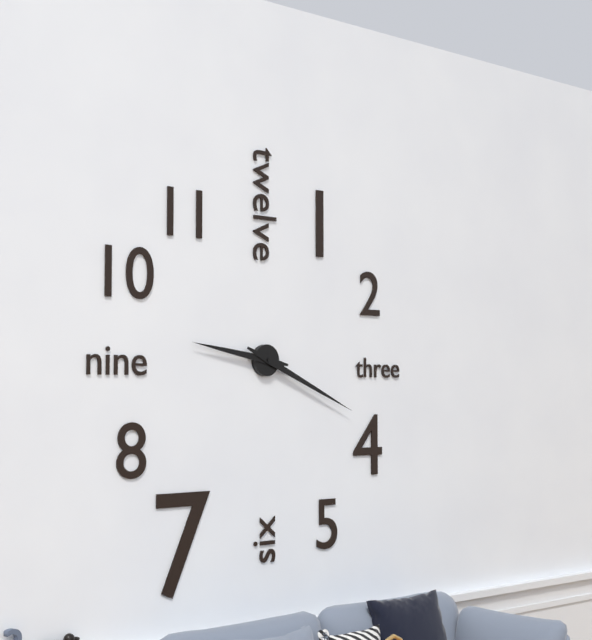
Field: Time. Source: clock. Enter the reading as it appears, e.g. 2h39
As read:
9h19
